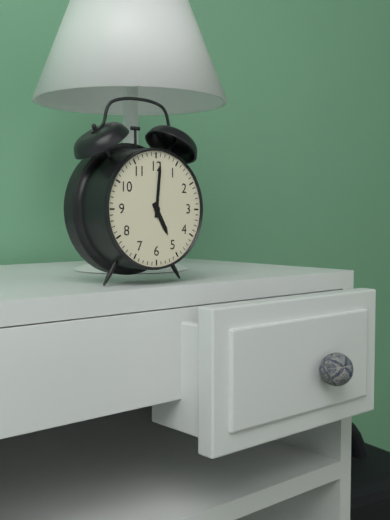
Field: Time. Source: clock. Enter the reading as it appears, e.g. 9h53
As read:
5h01
